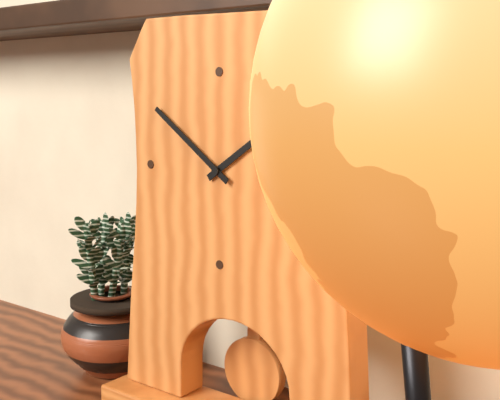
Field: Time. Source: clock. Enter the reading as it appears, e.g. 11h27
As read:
1h51
